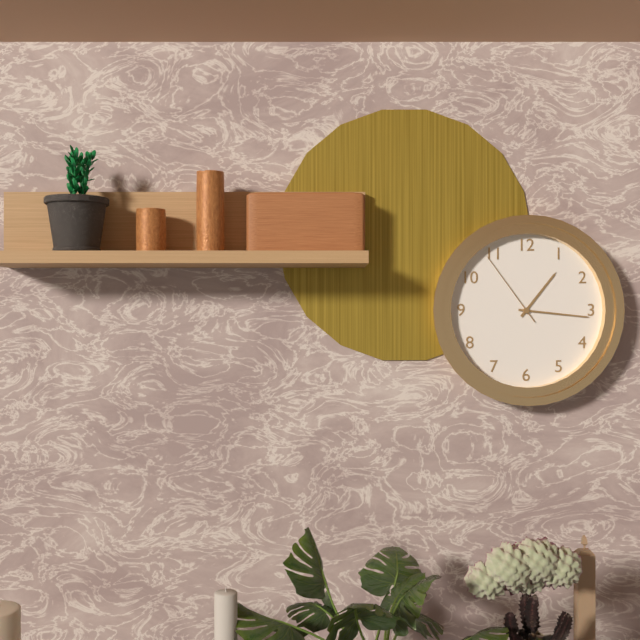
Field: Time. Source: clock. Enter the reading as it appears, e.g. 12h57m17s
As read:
1h16m54s
